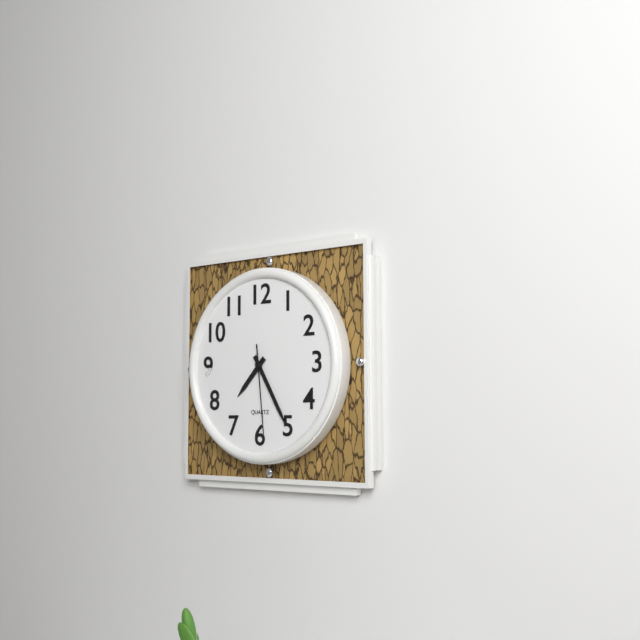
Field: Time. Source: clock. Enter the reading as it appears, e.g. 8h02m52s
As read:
7h25m29s
